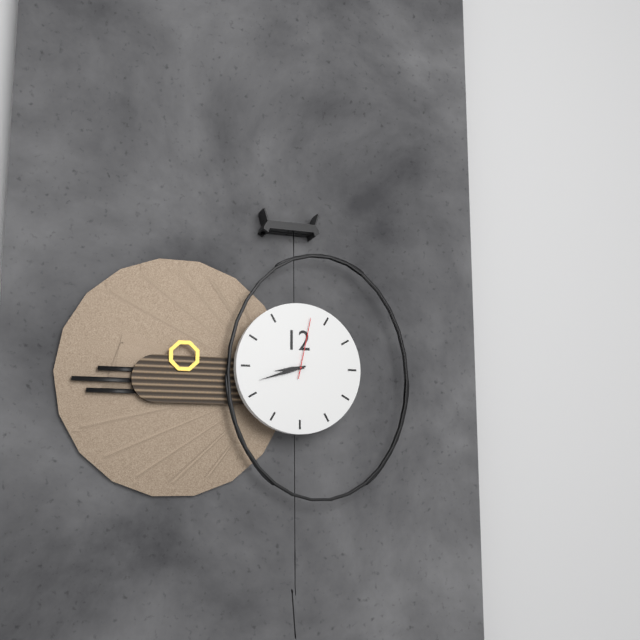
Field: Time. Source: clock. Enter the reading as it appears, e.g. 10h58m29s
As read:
8h42m02s
